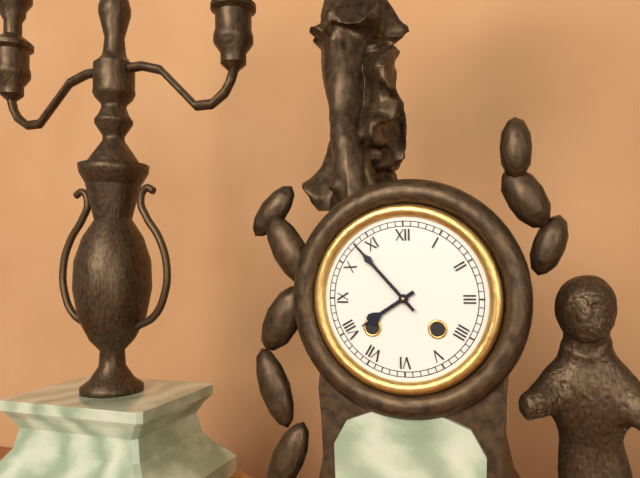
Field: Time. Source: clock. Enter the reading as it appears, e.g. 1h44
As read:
7h53
